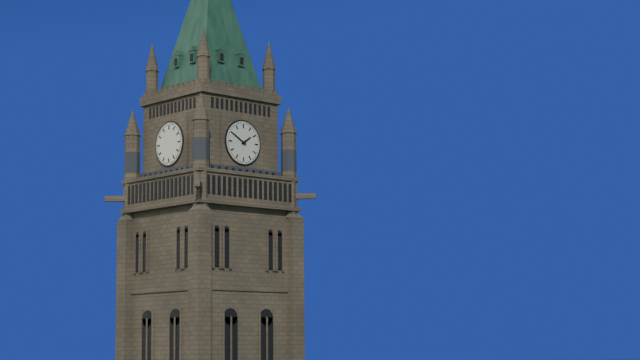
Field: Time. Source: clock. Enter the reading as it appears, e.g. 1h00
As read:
1h50
